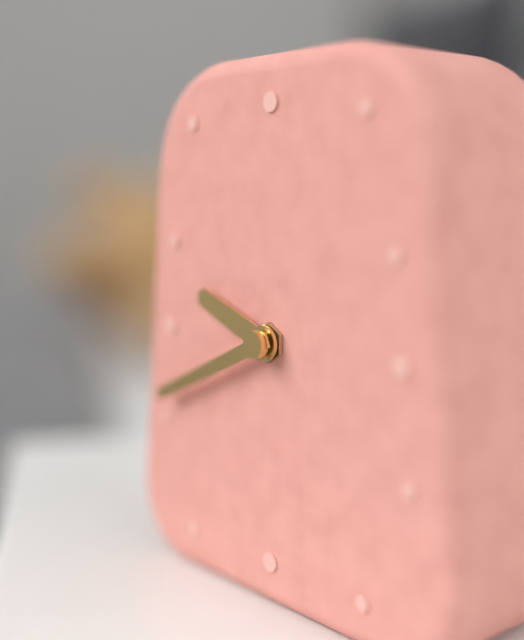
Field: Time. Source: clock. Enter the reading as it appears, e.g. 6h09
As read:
9h41
